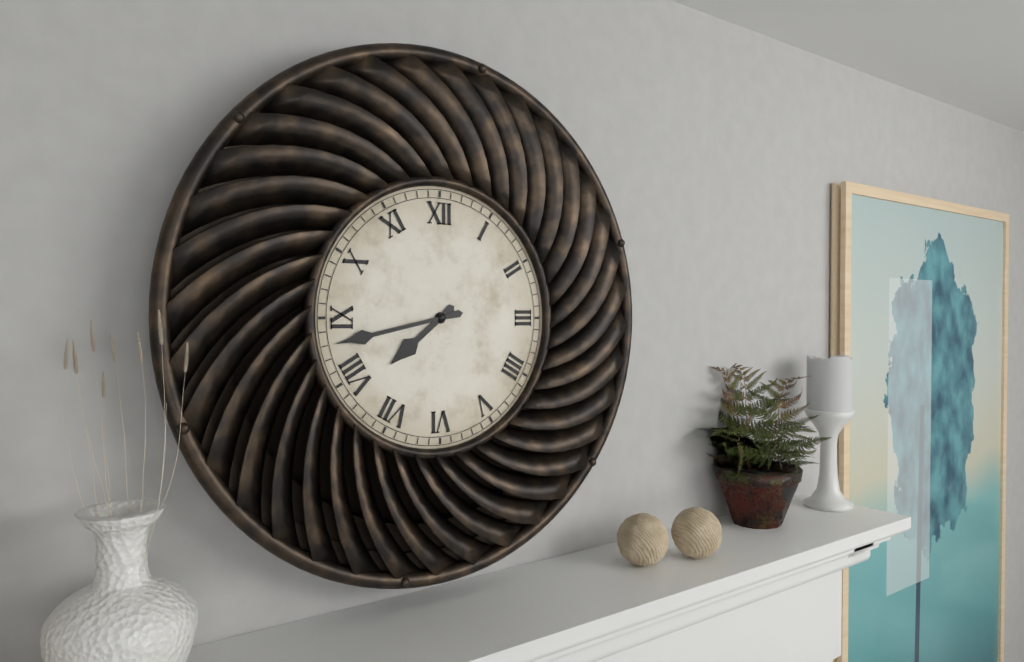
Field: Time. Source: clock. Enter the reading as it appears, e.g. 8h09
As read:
7h43
